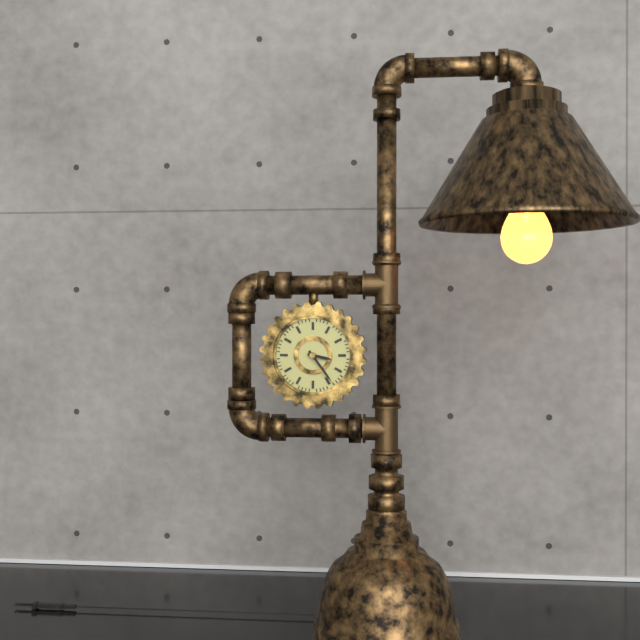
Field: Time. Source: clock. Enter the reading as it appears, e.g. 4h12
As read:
3h24
